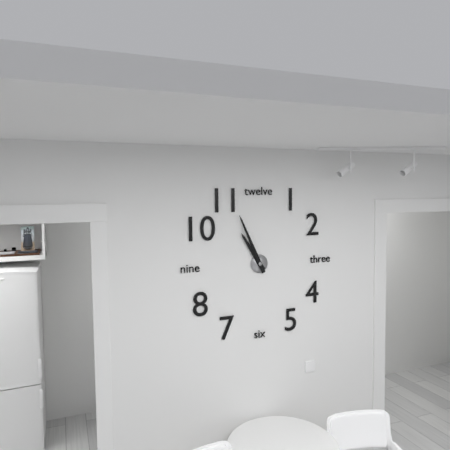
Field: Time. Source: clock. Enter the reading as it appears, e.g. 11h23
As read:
10h56
